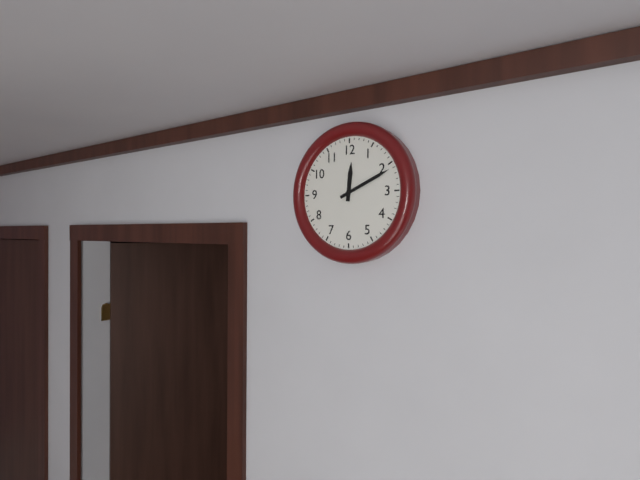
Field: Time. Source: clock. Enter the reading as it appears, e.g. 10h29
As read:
12h11
